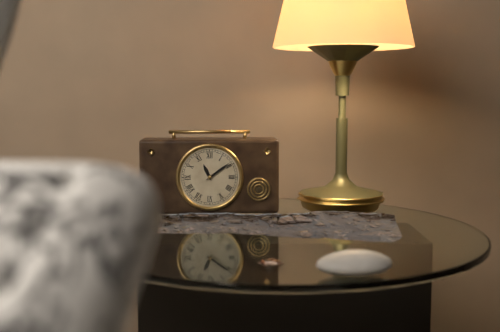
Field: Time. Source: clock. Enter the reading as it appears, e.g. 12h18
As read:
11h09
